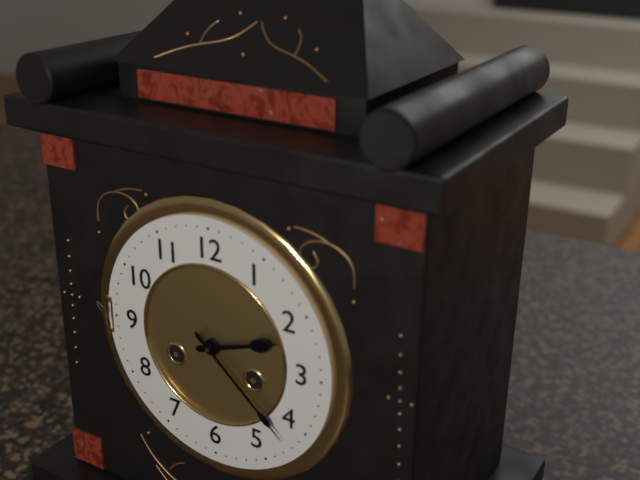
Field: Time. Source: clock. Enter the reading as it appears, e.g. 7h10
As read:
2h22
